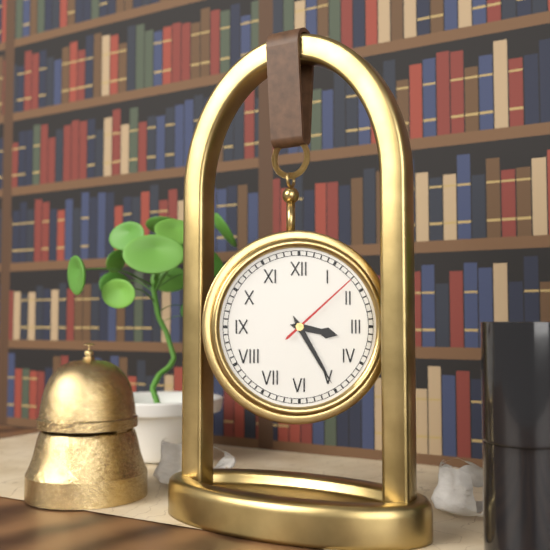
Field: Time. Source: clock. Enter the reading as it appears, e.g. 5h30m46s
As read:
3h25m08s
